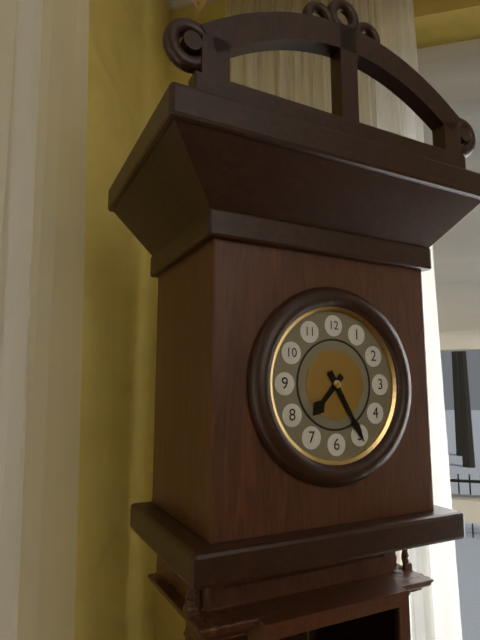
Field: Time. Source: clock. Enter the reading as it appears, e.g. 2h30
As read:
7h25
